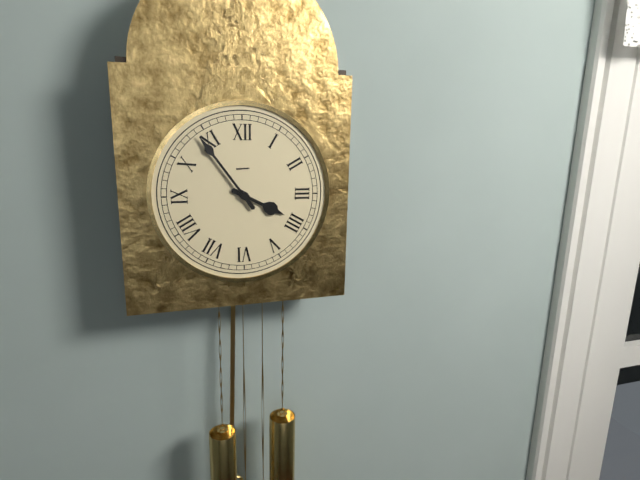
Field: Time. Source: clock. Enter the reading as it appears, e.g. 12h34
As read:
3h54
